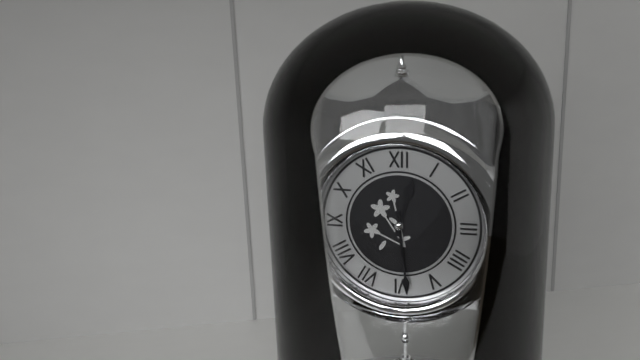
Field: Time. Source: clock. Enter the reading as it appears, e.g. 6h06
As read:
12h29
